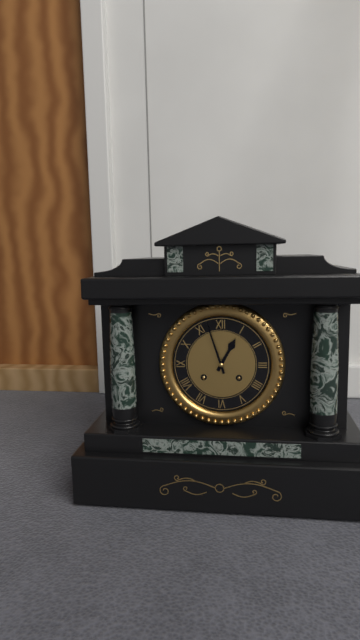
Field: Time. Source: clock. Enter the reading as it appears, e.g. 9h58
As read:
12h57
